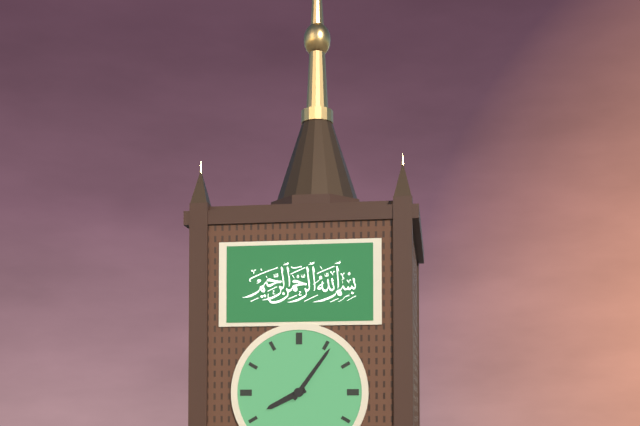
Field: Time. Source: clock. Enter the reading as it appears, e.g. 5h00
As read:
8h06
